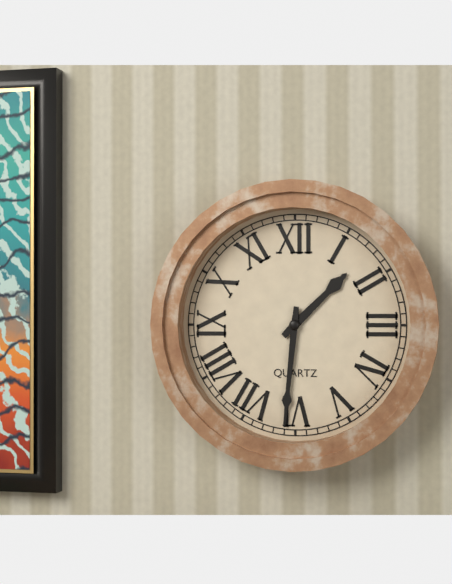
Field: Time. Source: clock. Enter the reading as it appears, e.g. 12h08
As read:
1h31
